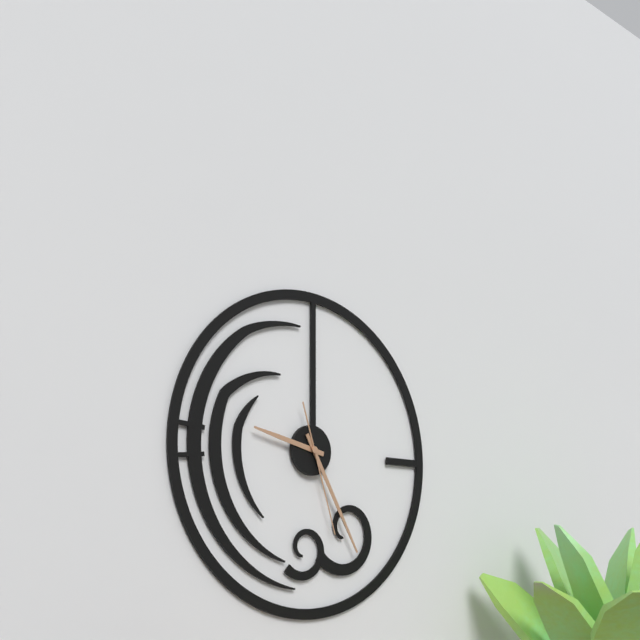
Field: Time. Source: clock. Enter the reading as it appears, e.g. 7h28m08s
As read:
9h25m27s
